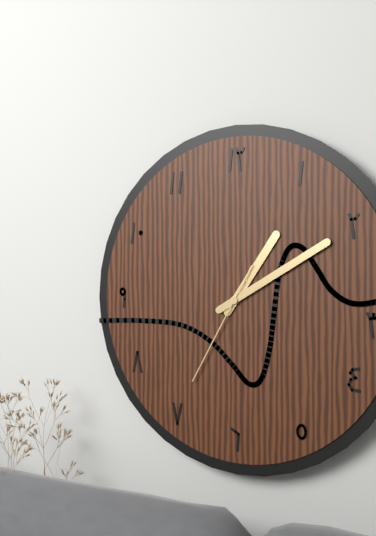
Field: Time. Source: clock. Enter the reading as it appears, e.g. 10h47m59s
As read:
1h10m35s
